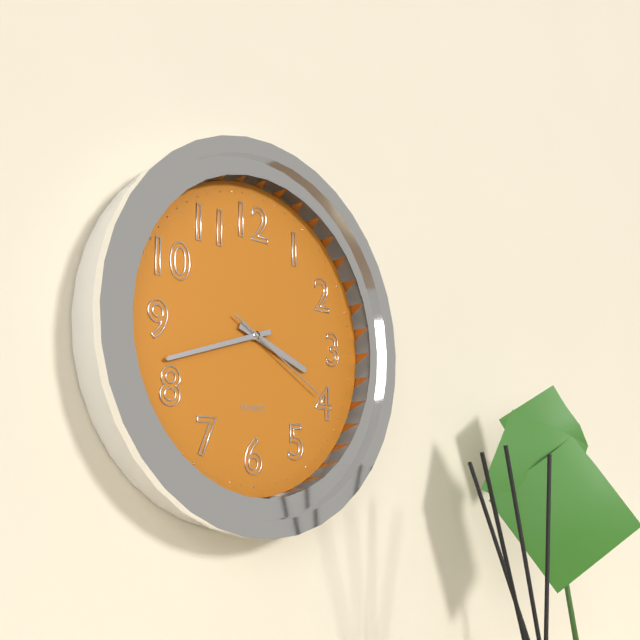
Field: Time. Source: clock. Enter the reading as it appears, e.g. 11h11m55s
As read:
3h42m20s
